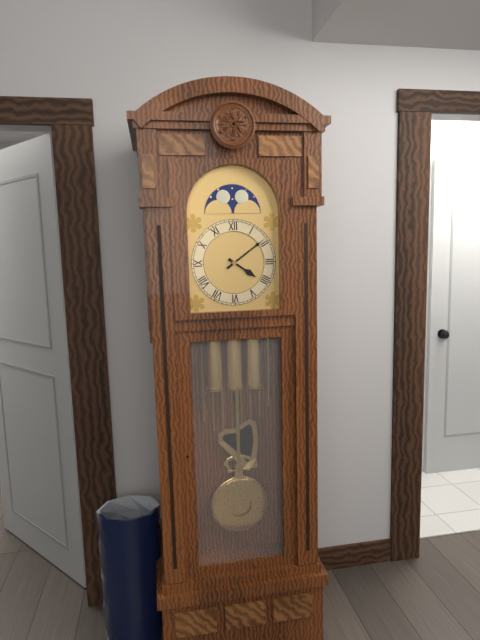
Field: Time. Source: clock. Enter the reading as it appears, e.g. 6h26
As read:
4h09
